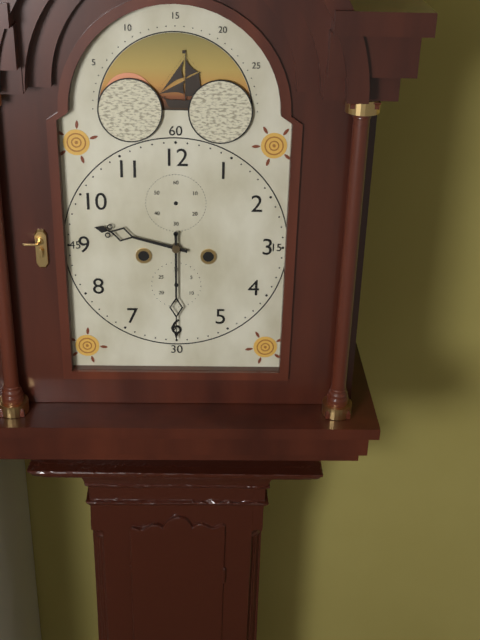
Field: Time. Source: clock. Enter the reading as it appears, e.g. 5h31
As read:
9h30
